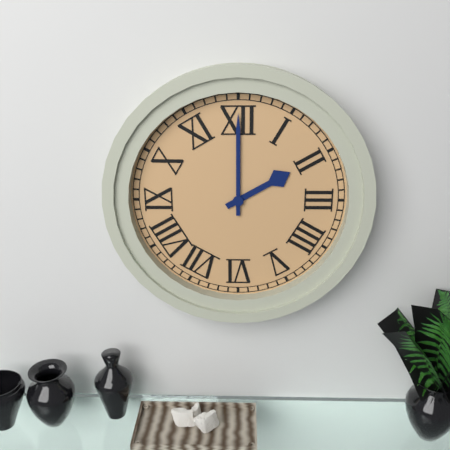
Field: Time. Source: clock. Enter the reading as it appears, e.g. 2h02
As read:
2h00
